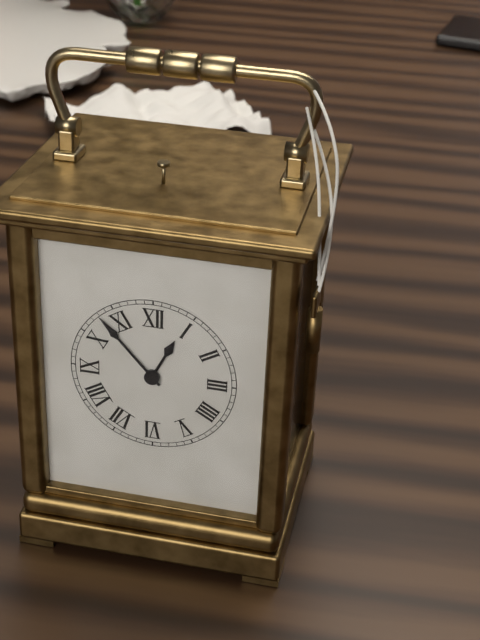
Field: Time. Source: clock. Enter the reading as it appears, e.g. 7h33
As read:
12h53
